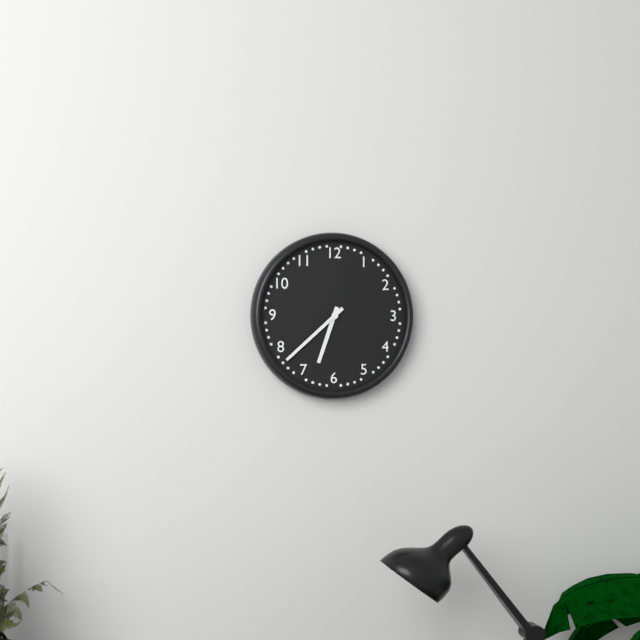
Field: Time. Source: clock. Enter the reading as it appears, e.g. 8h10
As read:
6h38
